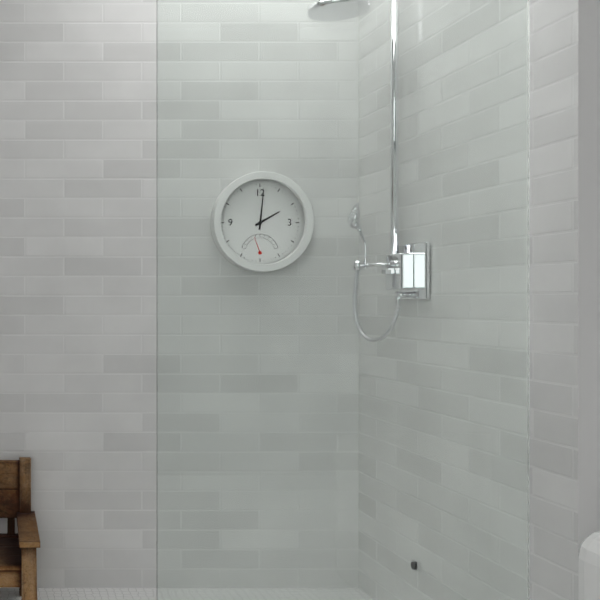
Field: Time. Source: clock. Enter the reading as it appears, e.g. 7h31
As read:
2h01
